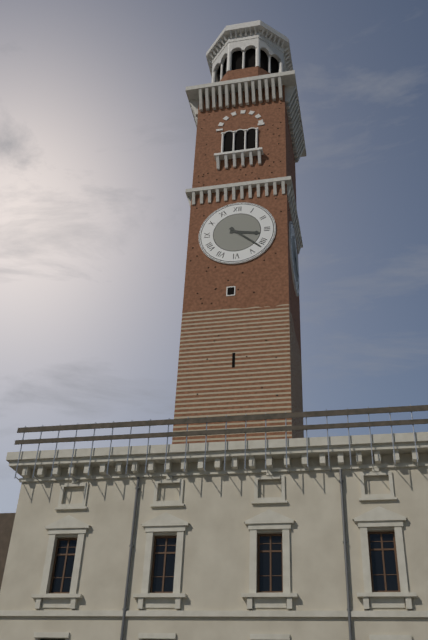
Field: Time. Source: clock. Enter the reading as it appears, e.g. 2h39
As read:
3h22
